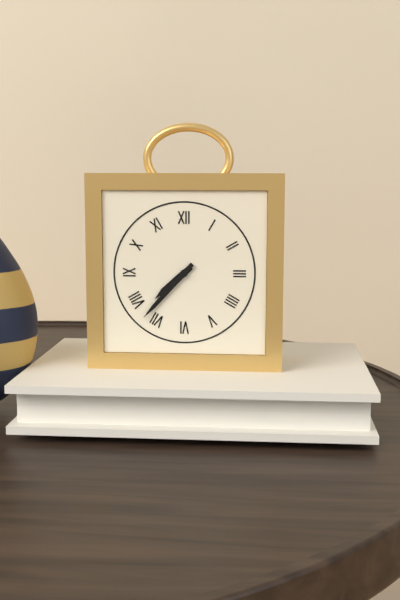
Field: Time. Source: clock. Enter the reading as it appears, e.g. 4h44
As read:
7h37
